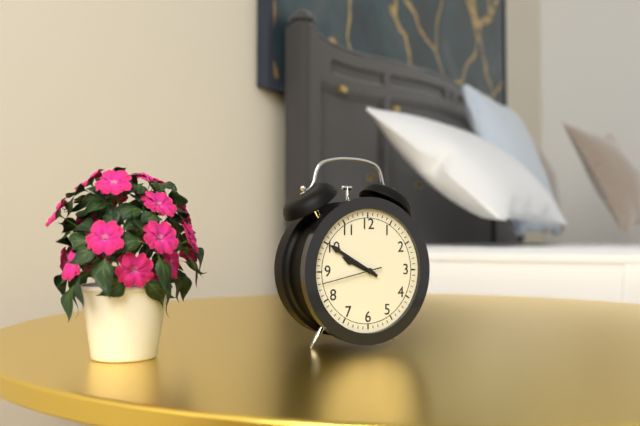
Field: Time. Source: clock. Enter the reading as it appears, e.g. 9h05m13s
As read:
9h50m43s
